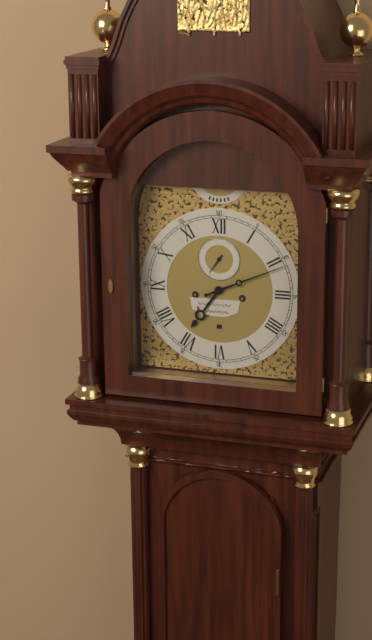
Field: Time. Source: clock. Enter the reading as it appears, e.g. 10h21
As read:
7h11
